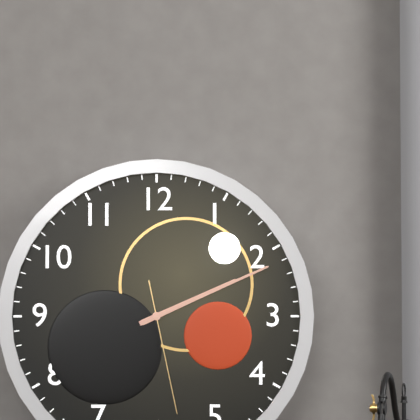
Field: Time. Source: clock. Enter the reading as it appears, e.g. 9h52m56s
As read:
2h11m28s
